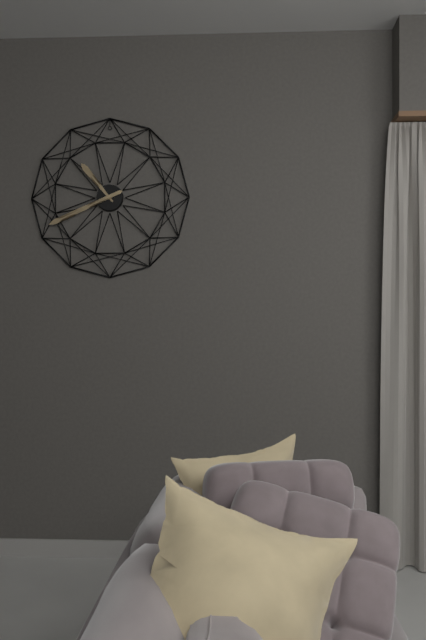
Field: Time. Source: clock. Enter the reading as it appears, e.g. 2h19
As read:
10h41
